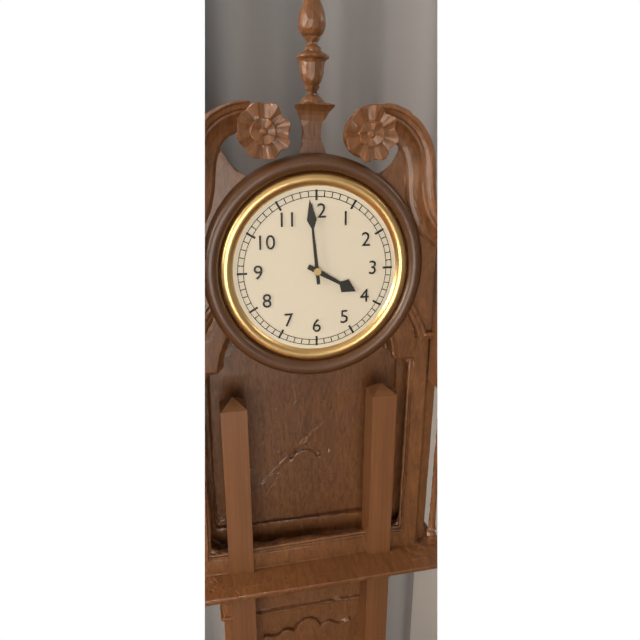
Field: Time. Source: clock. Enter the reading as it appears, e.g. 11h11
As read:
3h59
